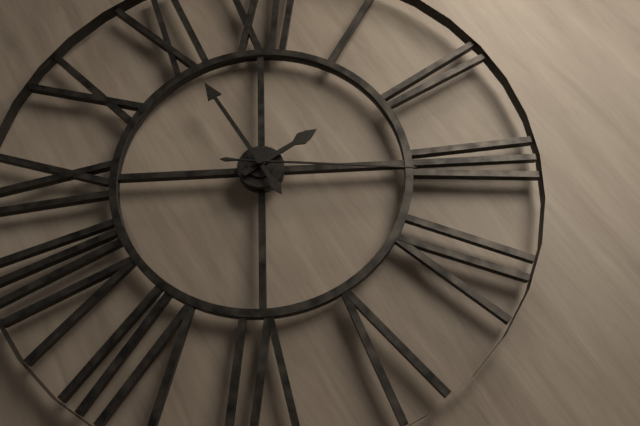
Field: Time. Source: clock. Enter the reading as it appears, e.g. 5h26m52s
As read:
1h55m16s
